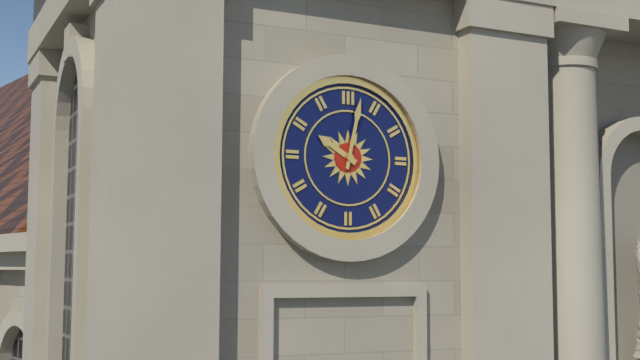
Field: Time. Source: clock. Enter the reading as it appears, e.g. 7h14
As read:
10h02
